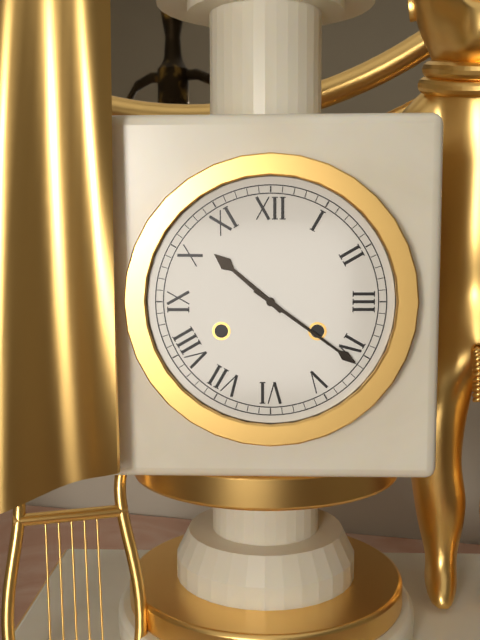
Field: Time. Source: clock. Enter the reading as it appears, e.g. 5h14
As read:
10h21
